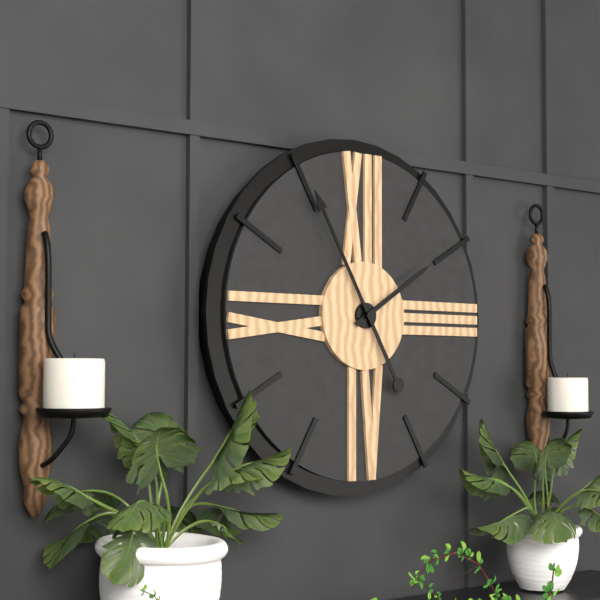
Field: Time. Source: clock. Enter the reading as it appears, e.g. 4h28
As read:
1h55
